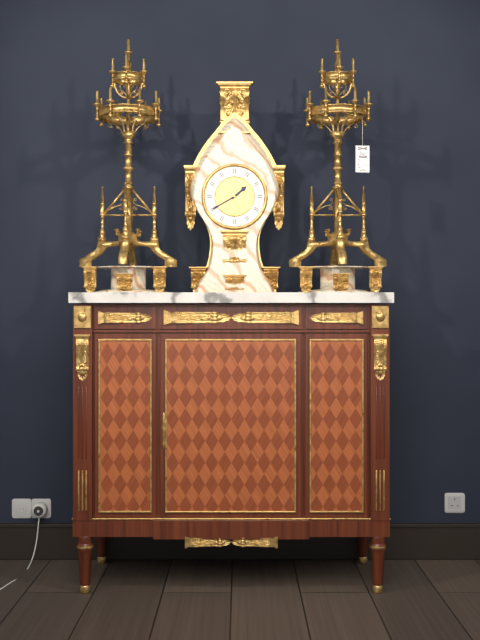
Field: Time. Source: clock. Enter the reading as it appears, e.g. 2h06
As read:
1h40
